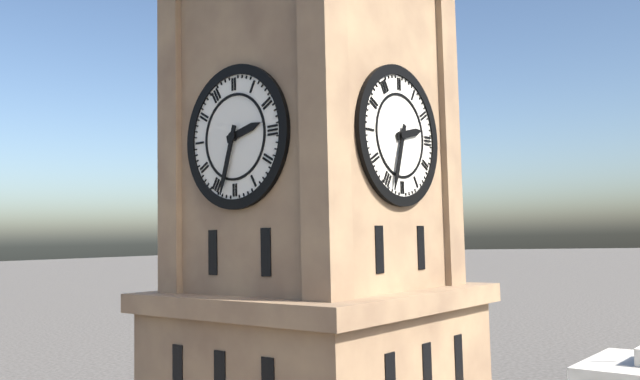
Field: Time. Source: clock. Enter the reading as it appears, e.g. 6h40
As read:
2h33
